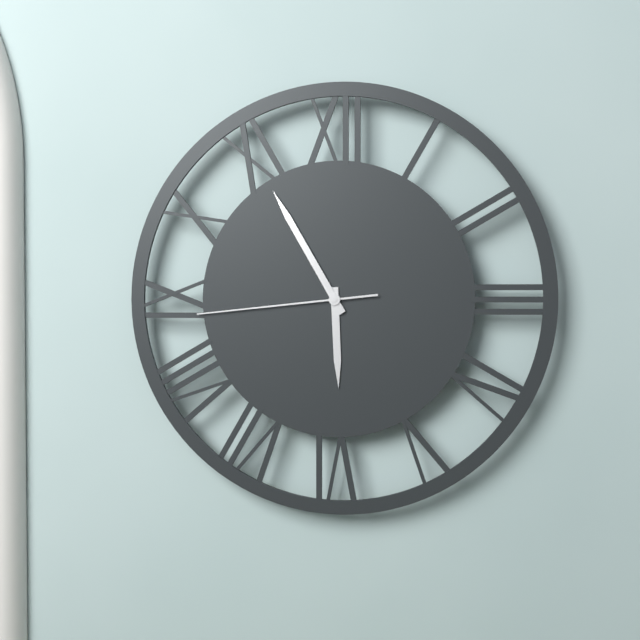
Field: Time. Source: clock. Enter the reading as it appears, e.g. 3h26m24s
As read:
5h55m44s
